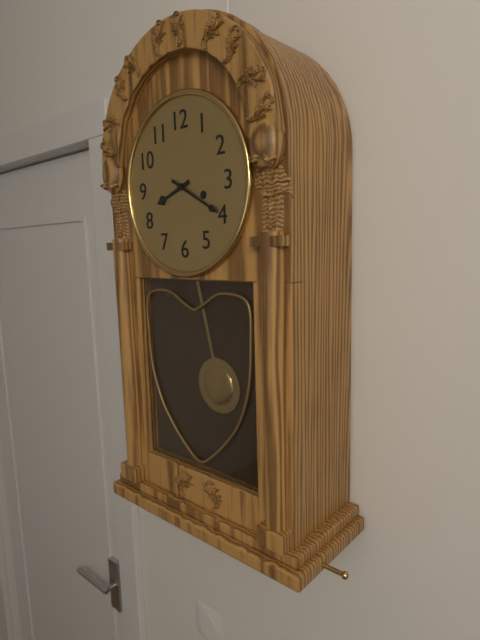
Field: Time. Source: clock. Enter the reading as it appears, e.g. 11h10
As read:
8h20
